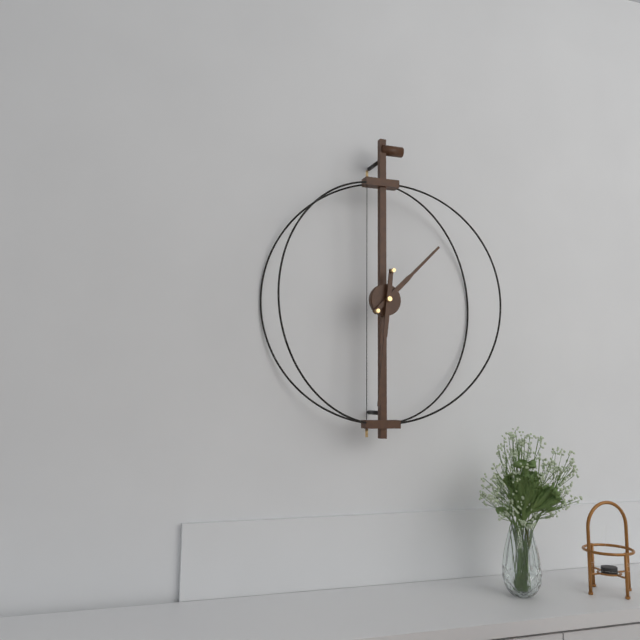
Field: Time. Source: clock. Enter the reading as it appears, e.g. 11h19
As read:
1h31
